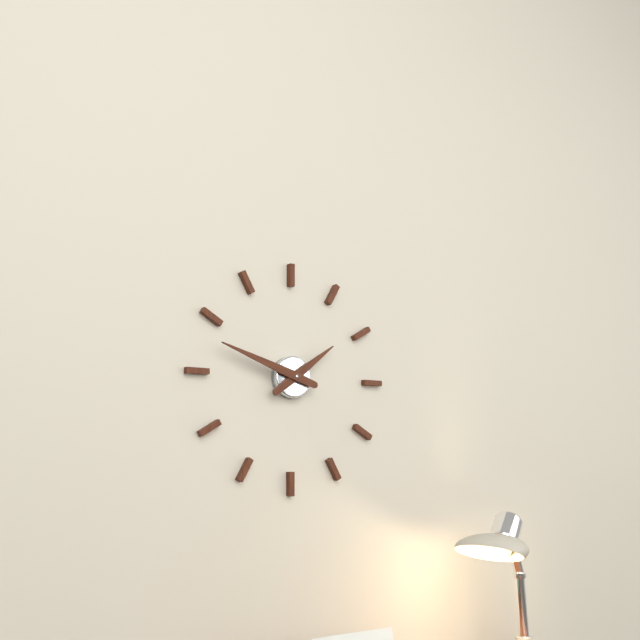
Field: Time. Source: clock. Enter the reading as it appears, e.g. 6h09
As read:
1h48
